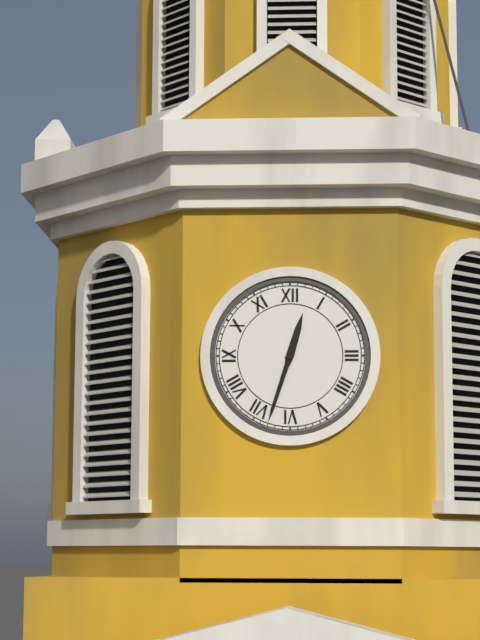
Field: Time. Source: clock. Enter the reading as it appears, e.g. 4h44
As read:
12h33
